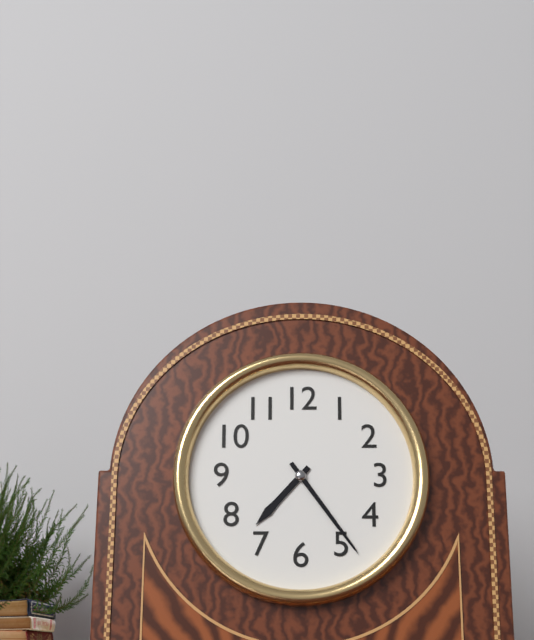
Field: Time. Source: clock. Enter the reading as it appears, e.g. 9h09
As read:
7h24
